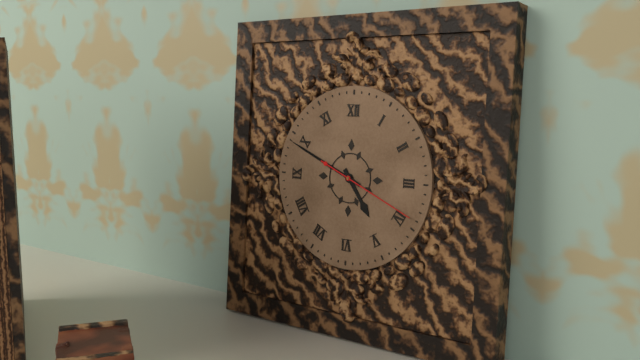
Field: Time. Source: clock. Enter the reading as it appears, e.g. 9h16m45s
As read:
4h49m19s
